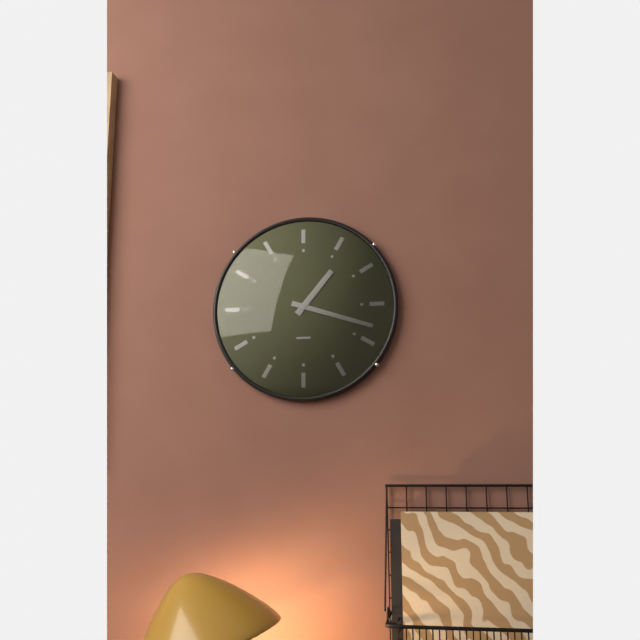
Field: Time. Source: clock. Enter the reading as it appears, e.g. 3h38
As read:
1h18
